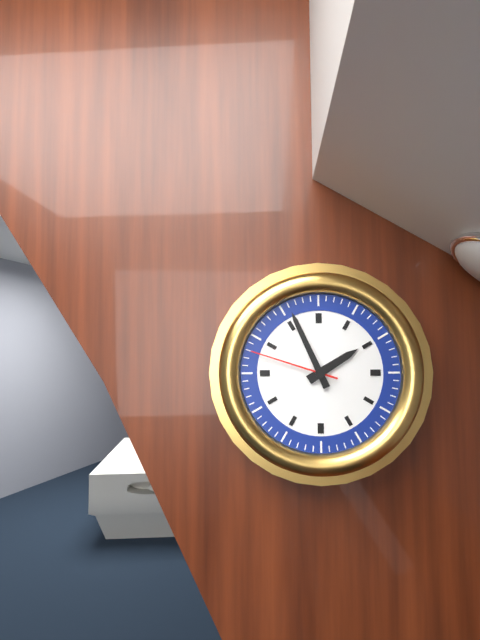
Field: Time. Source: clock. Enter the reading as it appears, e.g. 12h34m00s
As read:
1h56m48s
